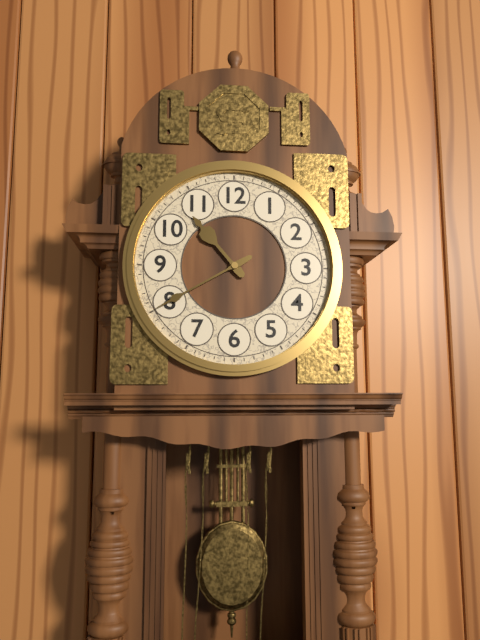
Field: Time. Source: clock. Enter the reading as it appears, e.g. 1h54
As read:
10h40
